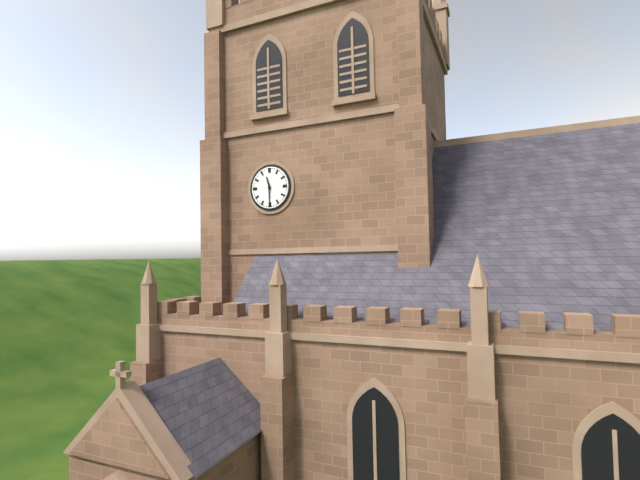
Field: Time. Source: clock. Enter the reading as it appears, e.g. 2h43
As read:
11h30
